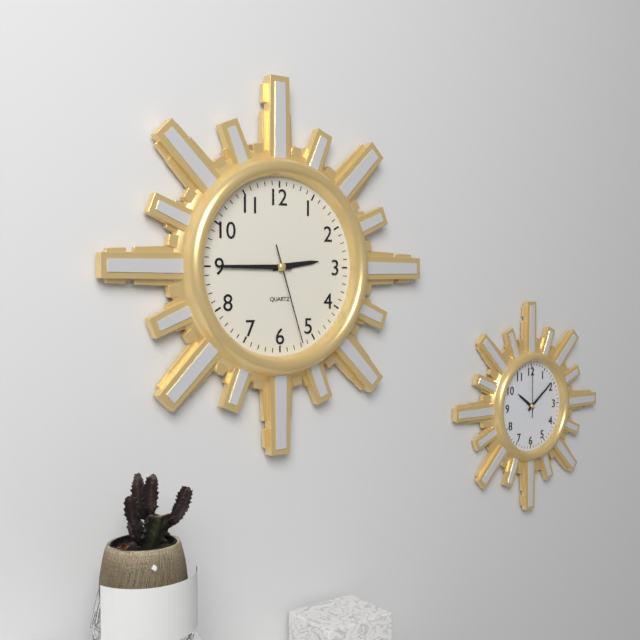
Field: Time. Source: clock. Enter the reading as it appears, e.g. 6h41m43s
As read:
2h45m27s
